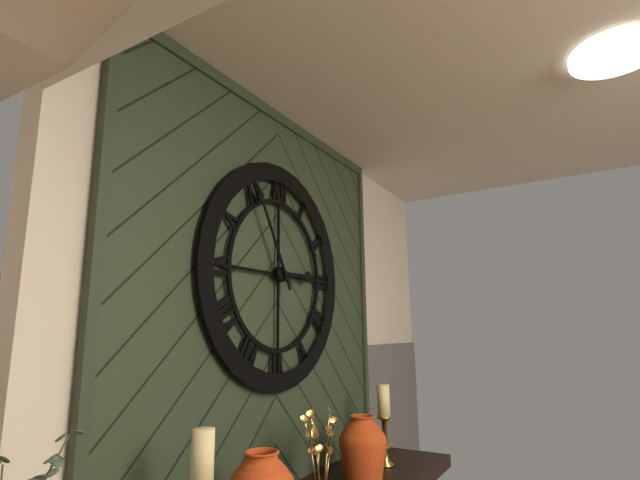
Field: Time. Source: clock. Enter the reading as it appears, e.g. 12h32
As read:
2h55
